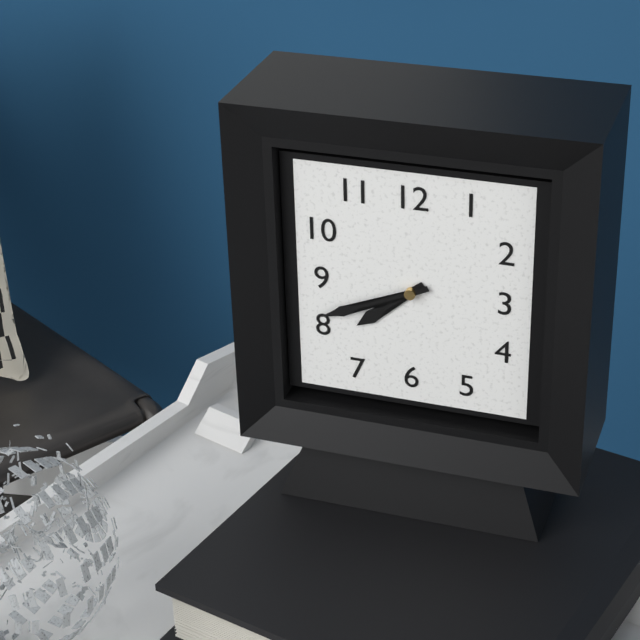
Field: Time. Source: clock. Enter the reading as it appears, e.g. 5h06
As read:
7h41
